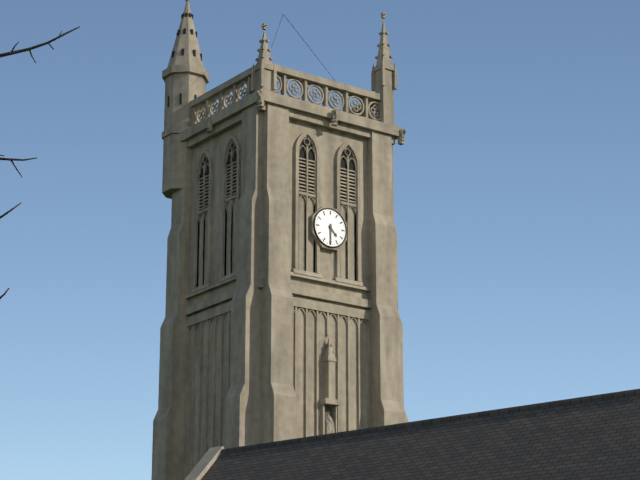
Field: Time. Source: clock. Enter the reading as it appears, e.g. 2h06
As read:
4h30
